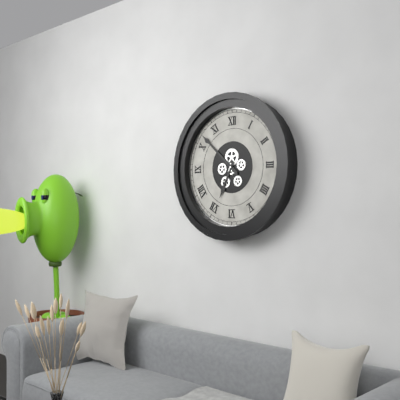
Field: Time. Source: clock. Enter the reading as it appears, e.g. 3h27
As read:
6h52
